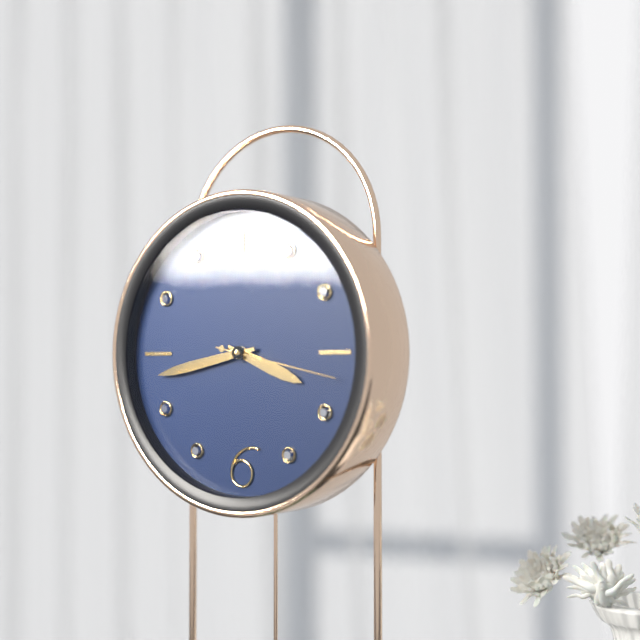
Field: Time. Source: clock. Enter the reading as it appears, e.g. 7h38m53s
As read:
3h43m17s
